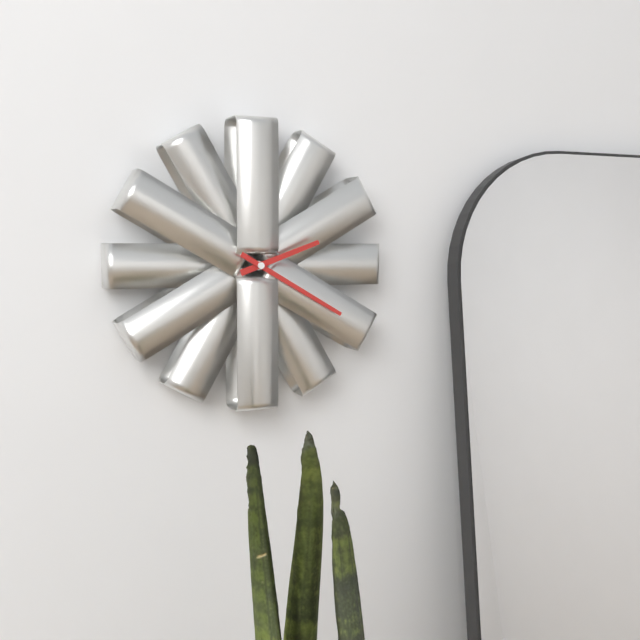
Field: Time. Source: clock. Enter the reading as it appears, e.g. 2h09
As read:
2h20
